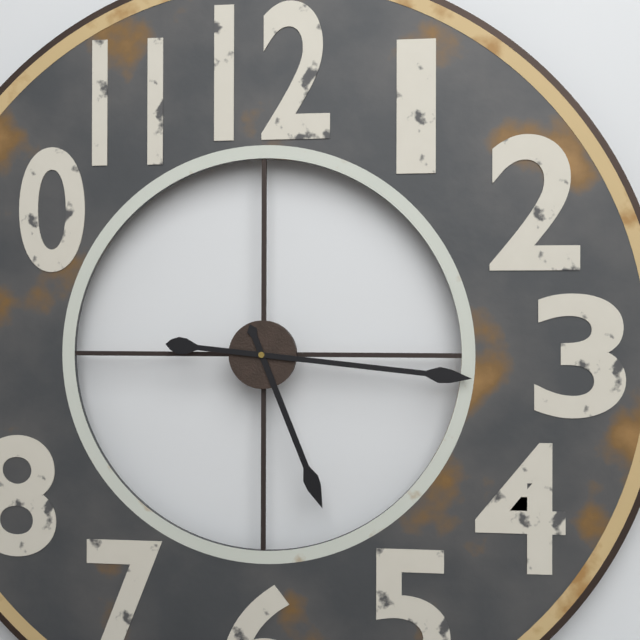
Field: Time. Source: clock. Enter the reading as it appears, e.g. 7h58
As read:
5h16
